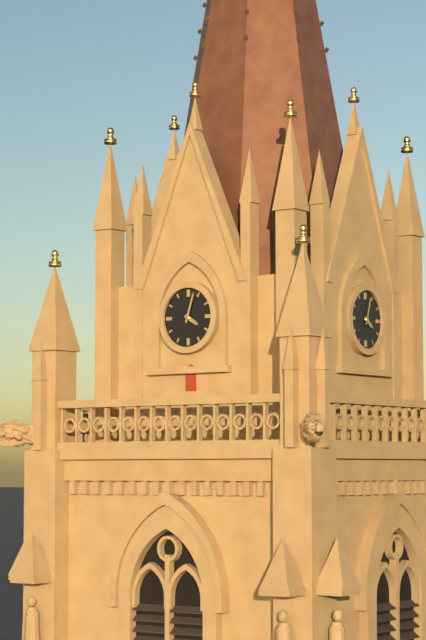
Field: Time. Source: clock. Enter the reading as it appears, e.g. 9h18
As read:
4h03
